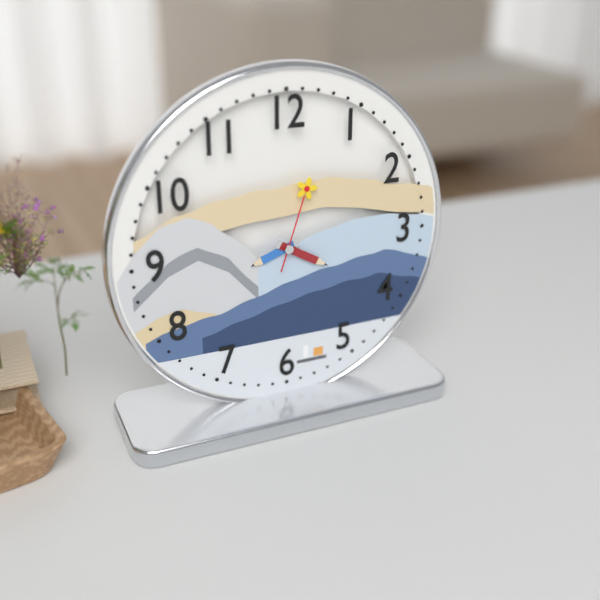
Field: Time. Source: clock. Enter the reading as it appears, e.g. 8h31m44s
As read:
8h20m03s
